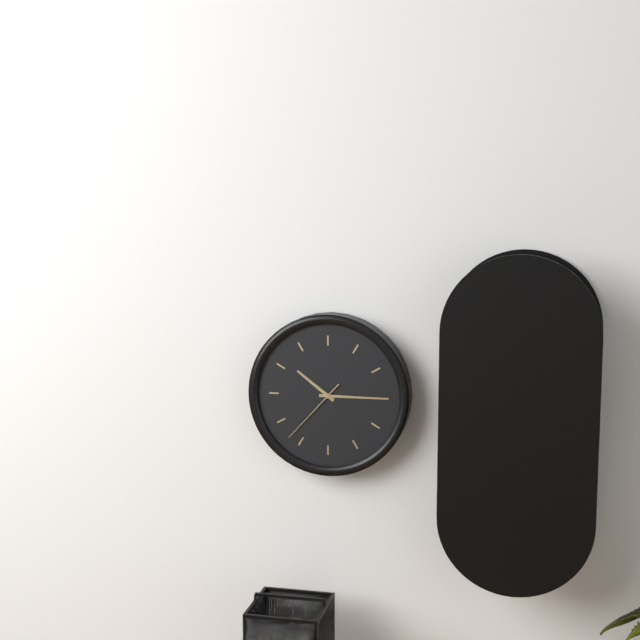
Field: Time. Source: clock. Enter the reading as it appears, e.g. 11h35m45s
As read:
10h15m37s
